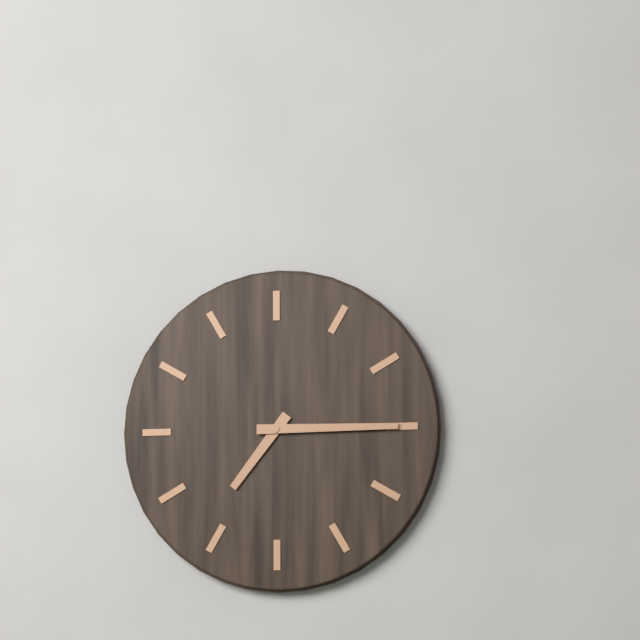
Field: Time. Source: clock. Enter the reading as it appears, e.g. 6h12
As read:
7h15
